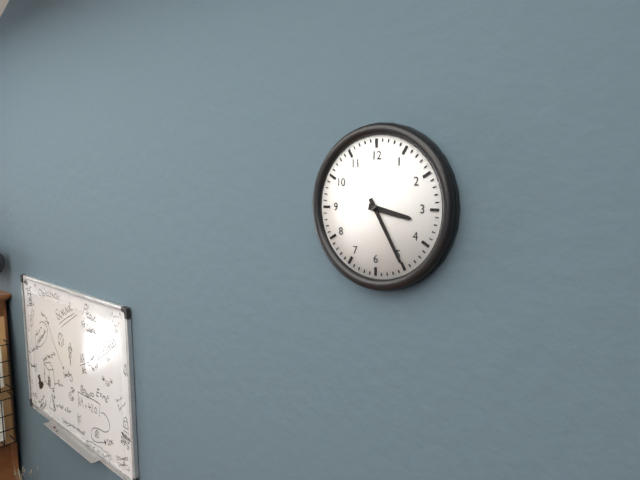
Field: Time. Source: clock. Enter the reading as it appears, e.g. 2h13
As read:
3h25
